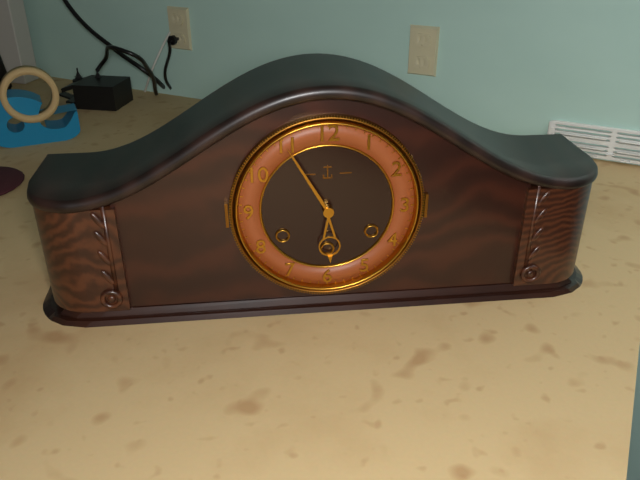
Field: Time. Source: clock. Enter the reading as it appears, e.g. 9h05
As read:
5h55
